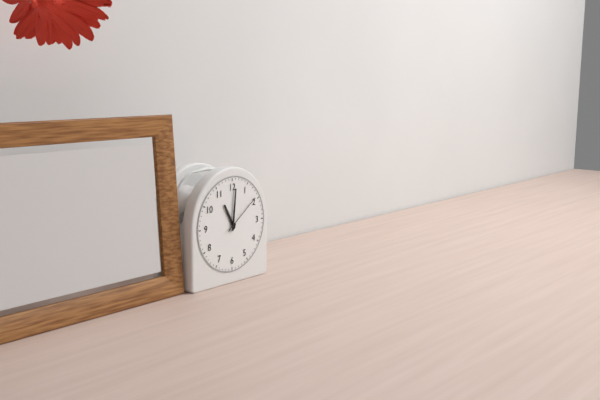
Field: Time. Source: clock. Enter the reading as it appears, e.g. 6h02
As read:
11h01
